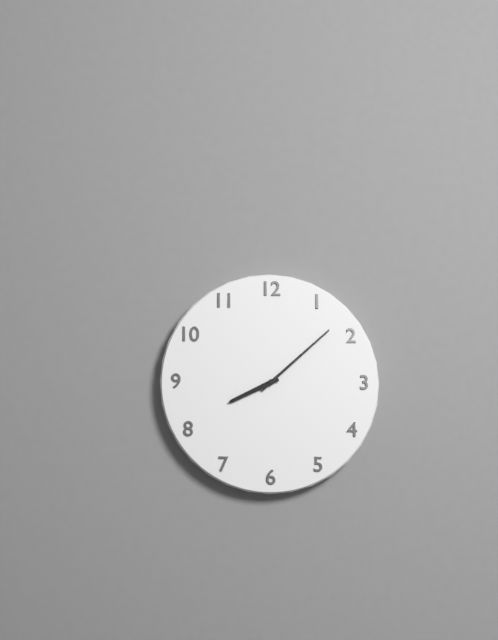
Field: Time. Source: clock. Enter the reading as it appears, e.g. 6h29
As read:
8h08
